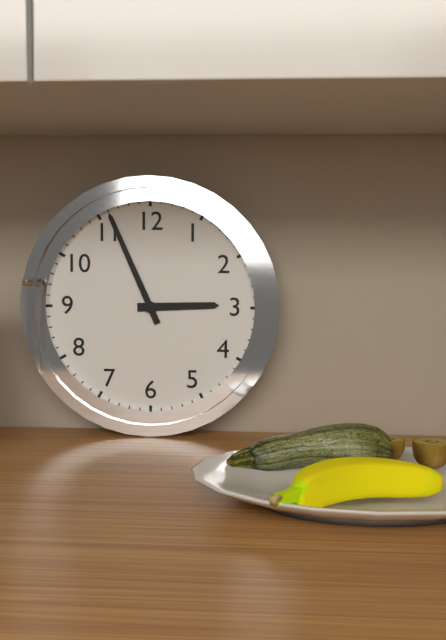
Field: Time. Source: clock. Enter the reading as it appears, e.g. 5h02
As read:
2h56
